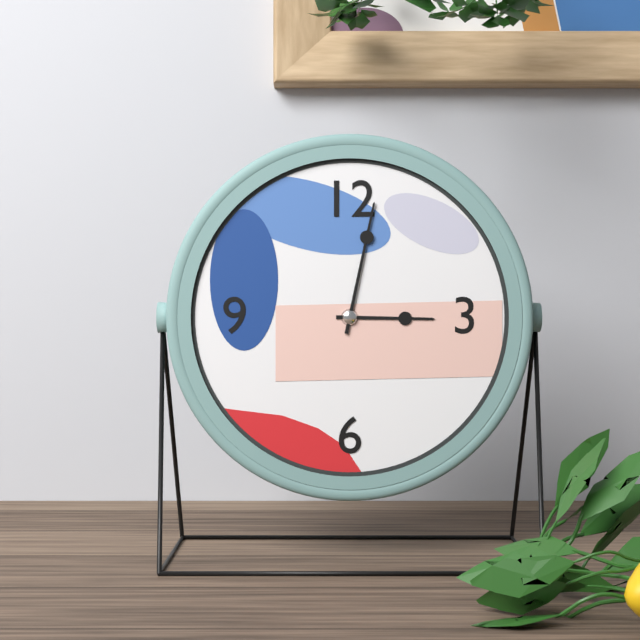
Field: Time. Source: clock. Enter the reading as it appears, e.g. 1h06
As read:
3h02
